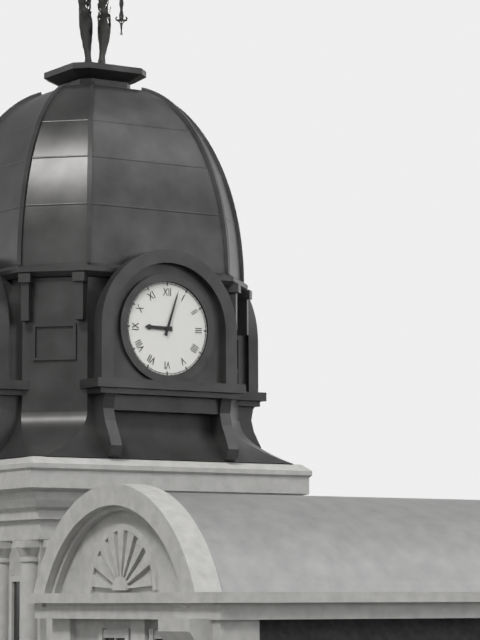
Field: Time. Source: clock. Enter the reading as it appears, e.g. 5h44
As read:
9h03
